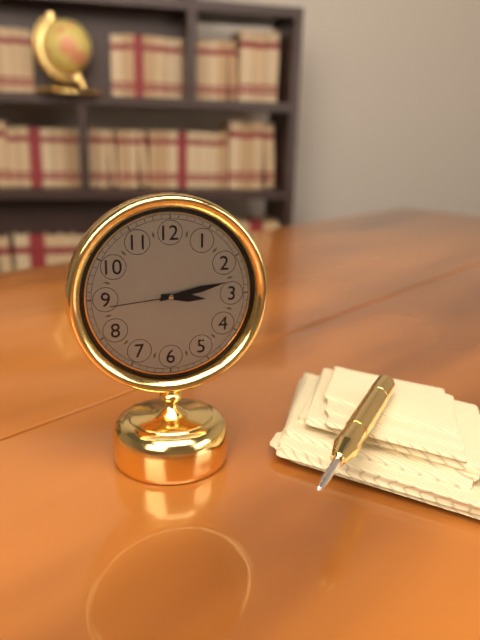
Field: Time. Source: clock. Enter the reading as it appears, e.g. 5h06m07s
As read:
3h13m44s
